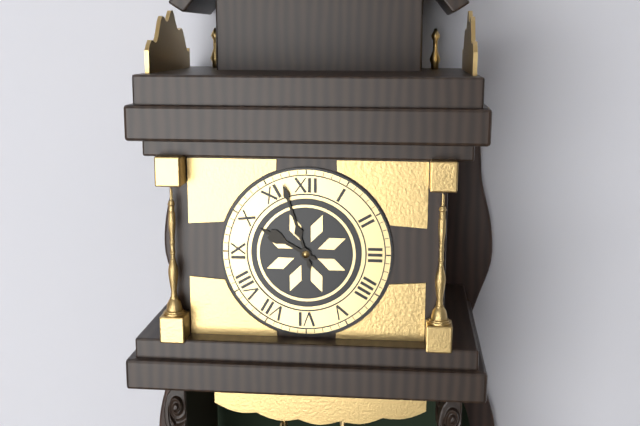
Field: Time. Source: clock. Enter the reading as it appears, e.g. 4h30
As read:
9h57
